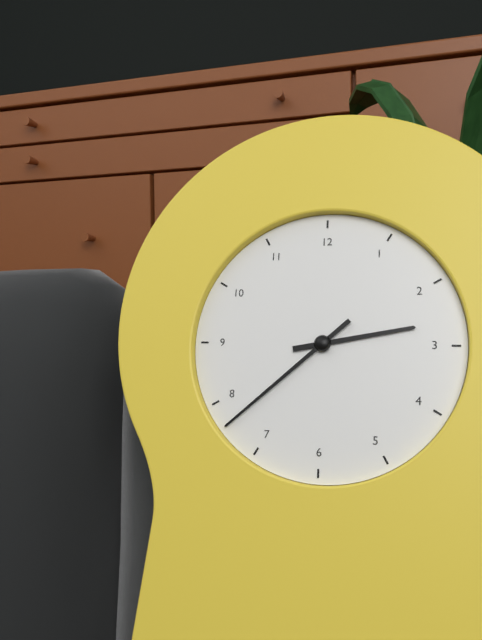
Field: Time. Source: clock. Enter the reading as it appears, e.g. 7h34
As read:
2h38
